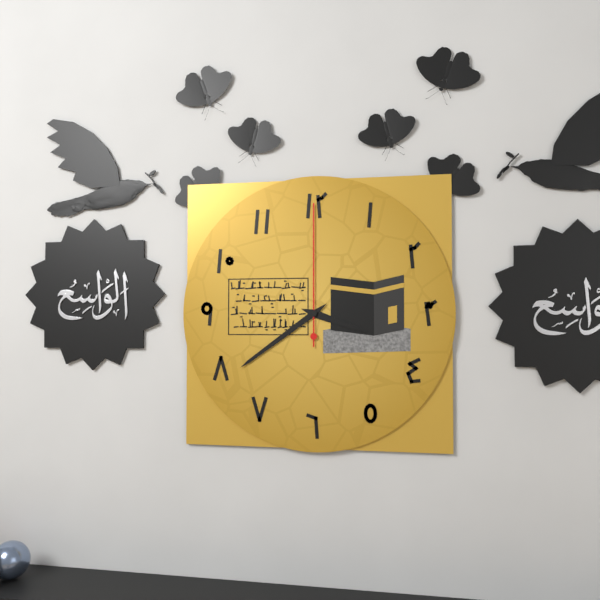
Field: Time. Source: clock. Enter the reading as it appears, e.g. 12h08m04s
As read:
3h39m00s
